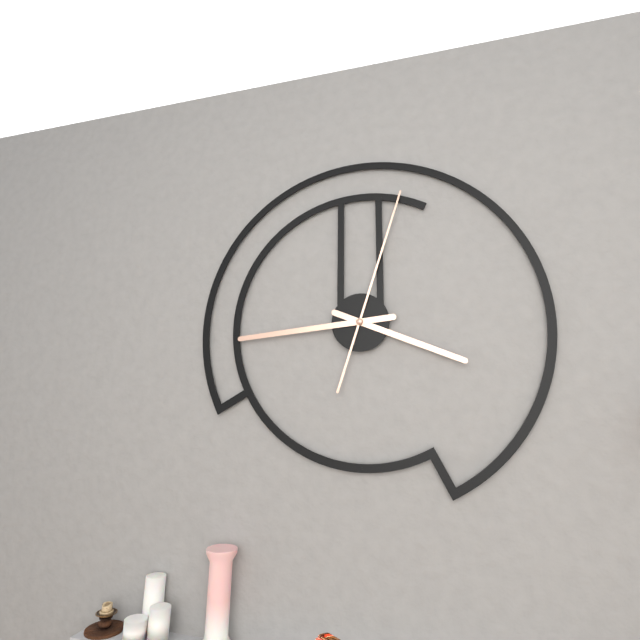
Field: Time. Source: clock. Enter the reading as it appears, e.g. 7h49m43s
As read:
3h44m03s
